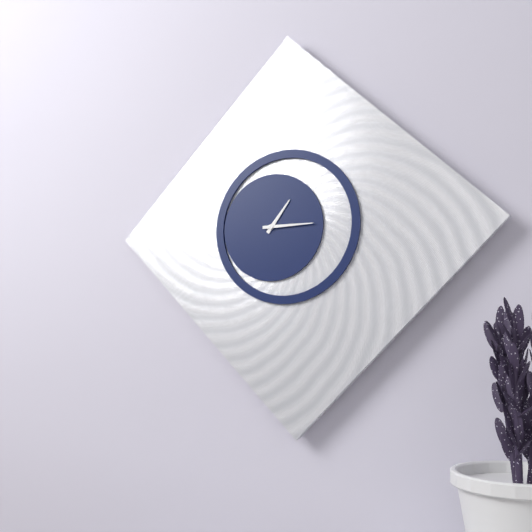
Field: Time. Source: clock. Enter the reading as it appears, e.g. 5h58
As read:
1h15
